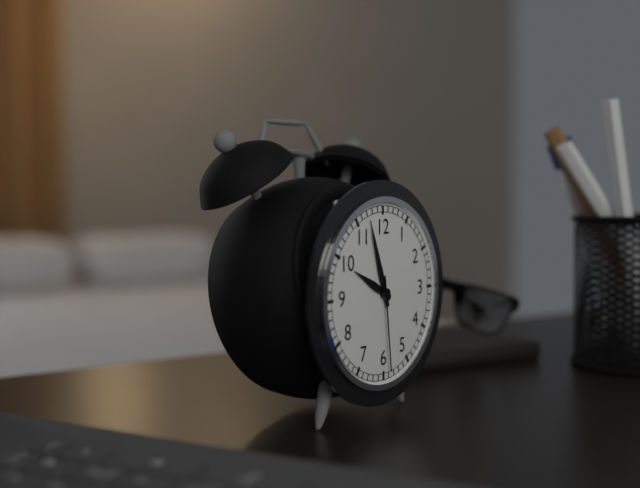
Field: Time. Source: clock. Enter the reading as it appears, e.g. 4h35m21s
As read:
9h57m29s
